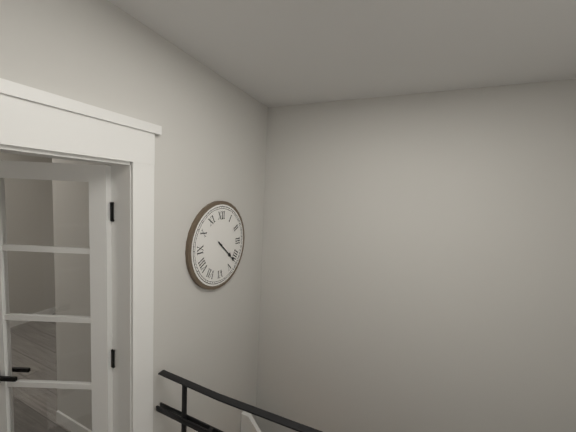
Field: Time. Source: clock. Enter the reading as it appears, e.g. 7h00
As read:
4h22
